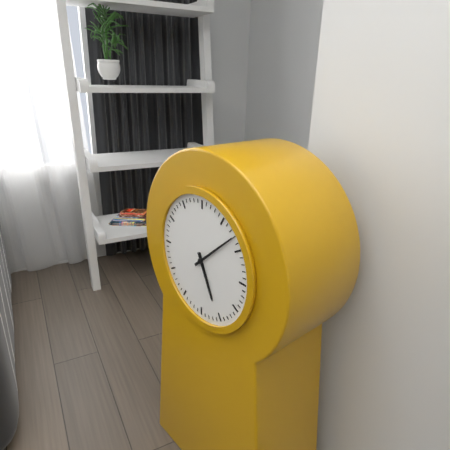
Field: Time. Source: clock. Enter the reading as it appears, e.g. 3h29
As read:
5h08
